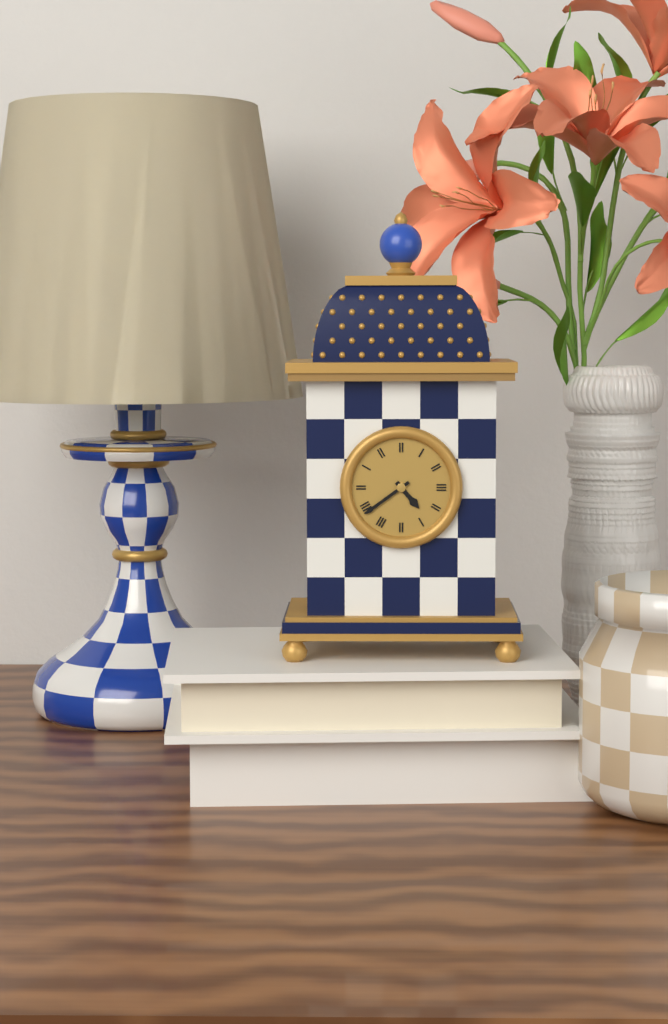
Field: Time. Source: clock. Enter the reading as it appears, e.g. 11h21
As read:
4h39
